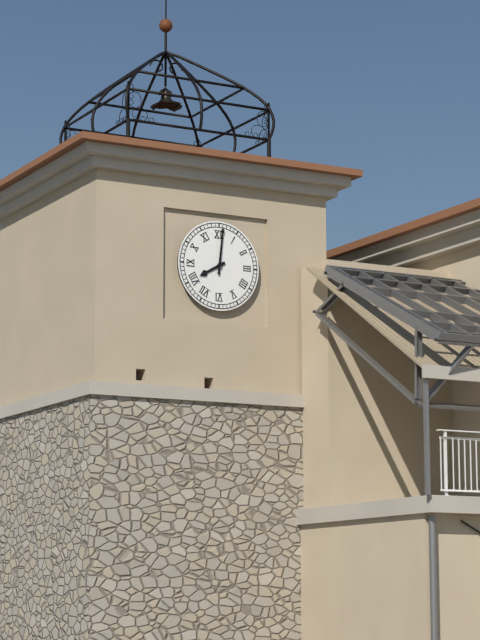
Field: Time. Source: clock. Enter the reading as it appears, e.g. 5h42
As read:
8h01
